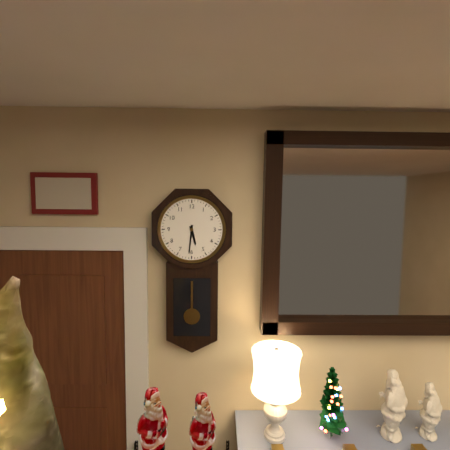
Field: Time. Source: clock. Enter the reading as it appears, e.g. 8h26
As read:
5h31
